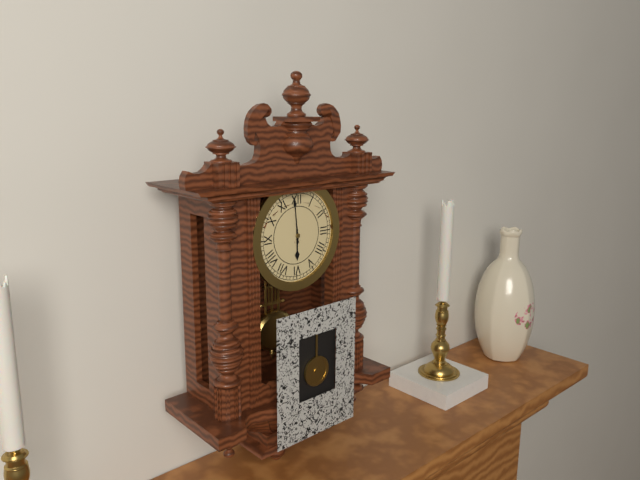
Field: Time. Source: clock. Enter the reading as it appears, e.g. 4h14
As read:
5h59
